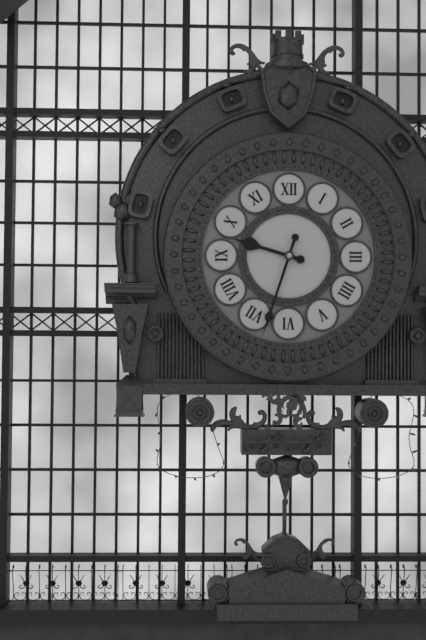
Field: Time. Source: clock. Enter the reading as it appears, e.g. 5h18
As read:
9h33
